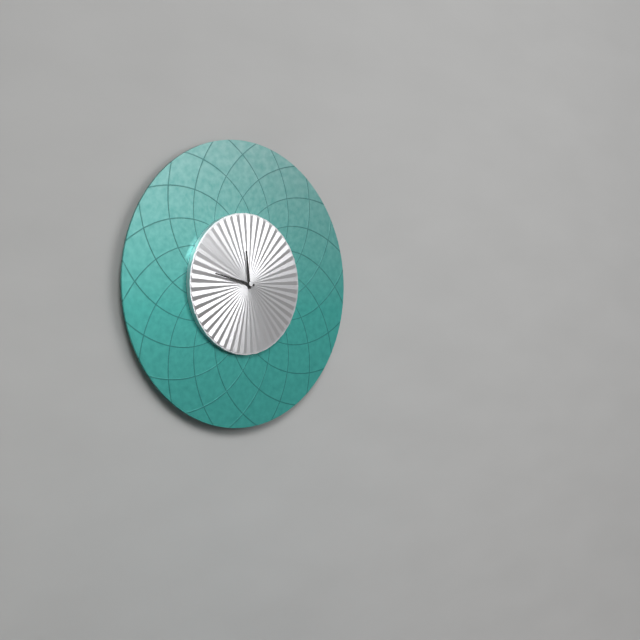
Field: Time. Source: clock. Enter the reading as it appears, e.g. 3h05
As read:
11h47
